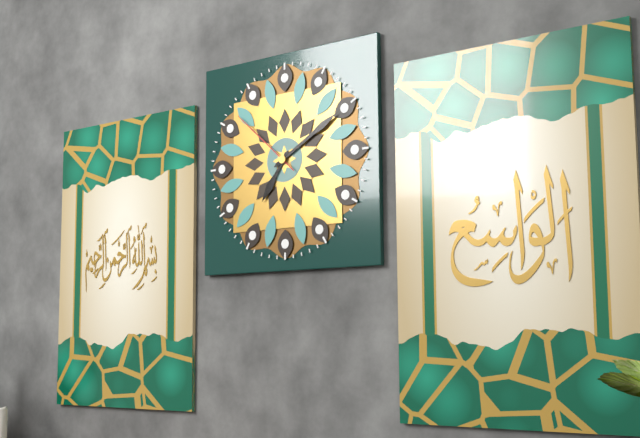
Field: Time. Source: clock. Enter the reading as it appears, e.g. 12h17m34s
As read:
7h10m52s
